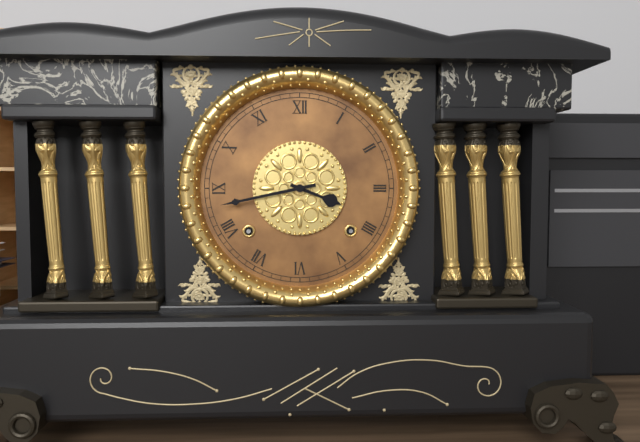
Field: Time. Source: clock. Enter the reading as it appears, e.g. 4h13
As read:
3h43
